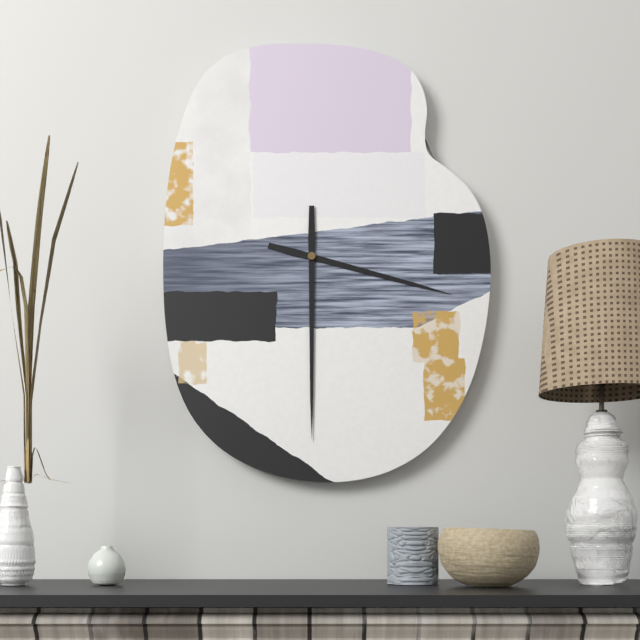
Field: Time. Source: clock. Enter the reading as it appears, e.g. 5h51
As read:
3h30
